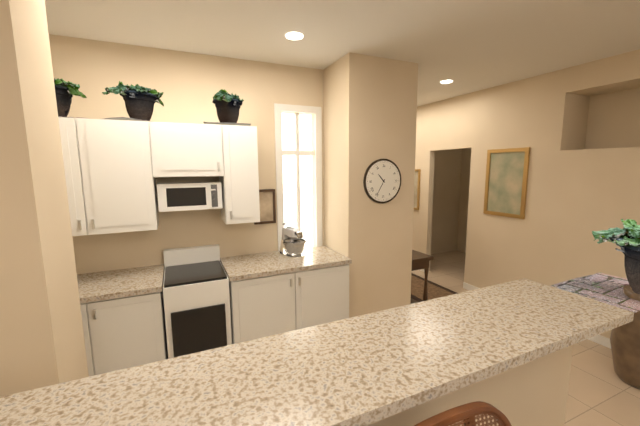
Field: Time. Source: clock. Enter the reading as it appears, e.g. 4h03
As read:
10h35
